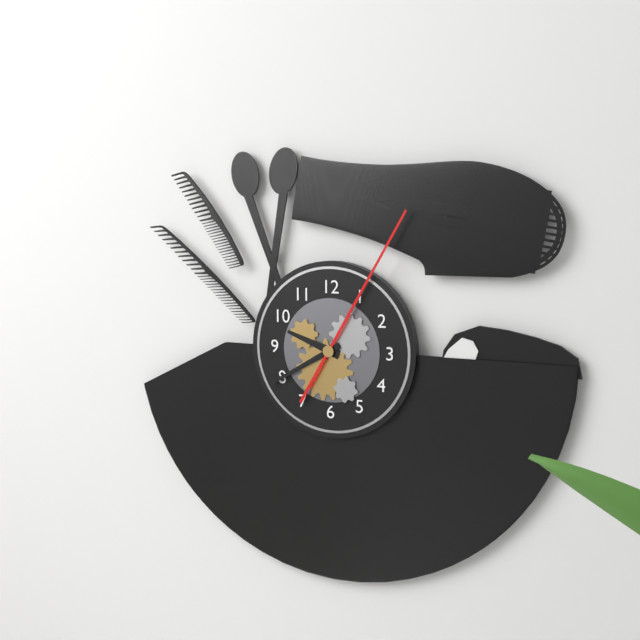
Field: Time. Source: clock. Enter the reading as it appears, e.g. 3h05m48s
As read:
9h40m05s
